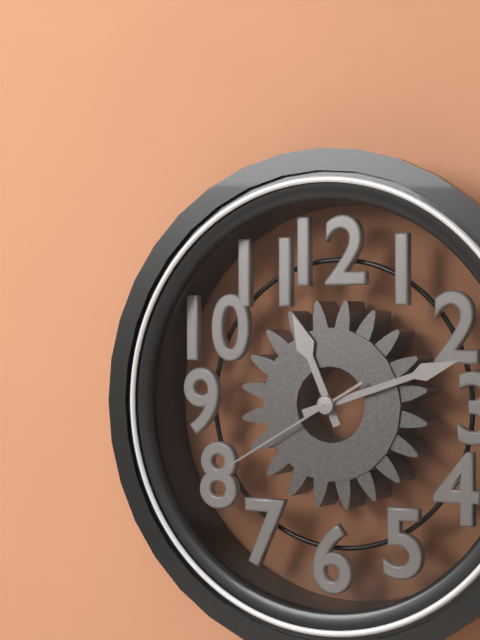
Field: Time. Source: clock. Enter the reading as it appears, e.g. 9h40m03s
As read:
11h12m40s
